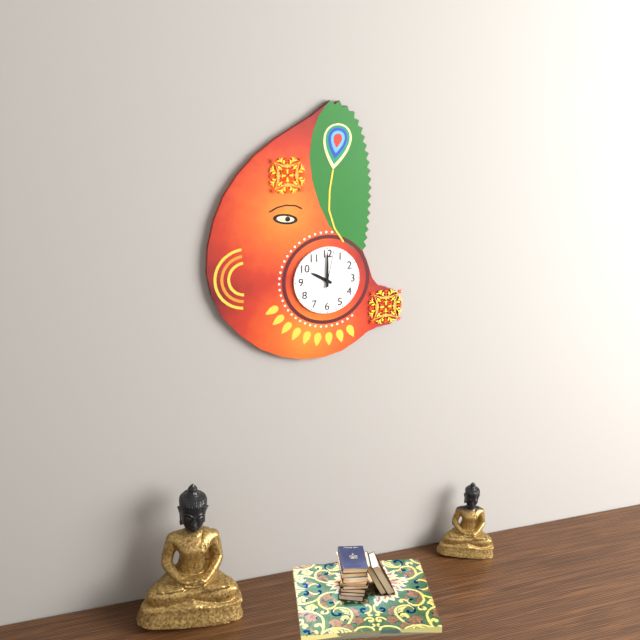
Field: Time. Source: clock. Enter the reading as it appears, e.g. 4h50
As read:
10h00
